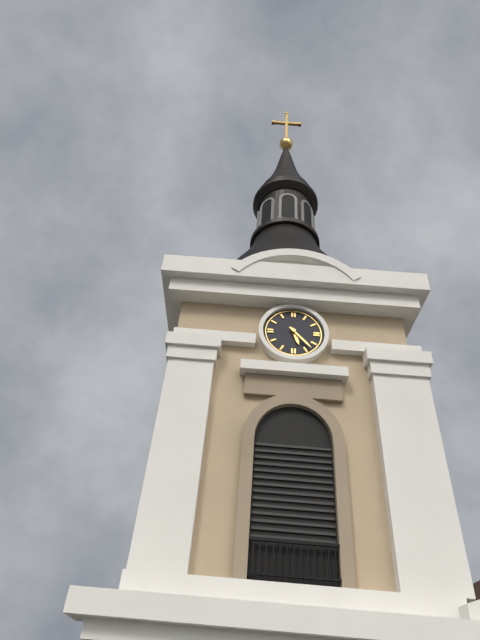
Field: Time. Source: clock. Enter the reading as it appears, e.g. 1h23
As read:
5h23
